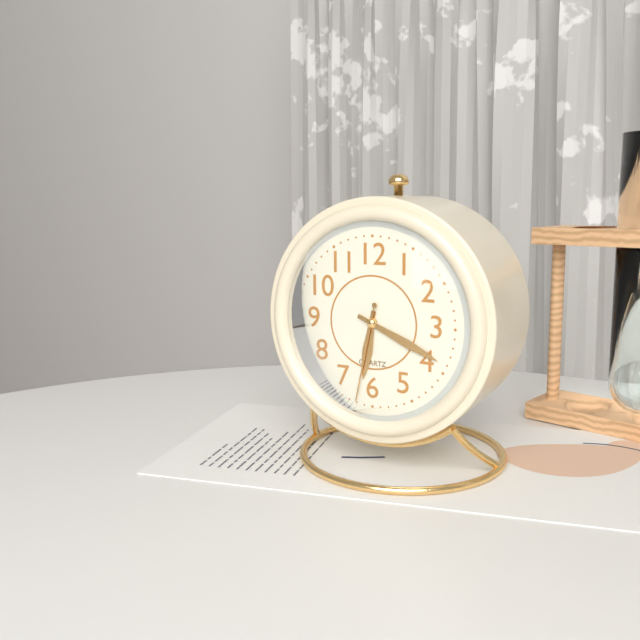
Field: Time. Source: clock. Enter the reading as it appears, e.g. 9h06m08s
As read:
6h19m32s
